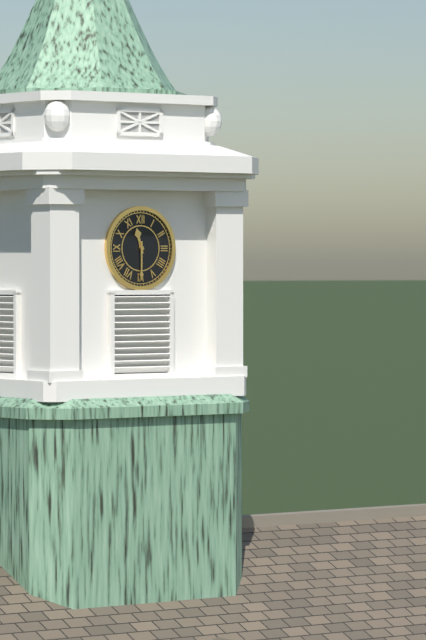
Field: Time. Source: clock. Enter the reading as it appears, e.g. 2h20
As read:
11h30
